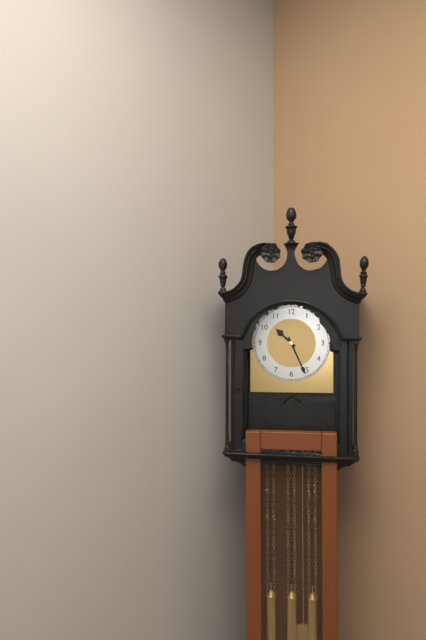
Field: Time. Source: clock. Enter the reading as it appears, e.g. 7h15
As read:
10h26
